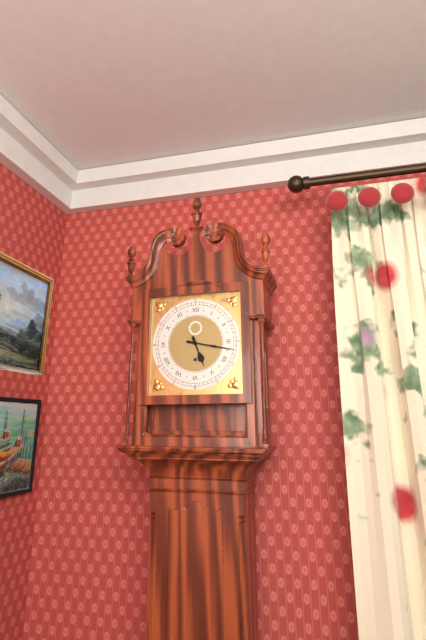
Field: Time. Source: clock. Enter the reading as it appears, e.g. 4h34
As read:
5h17
